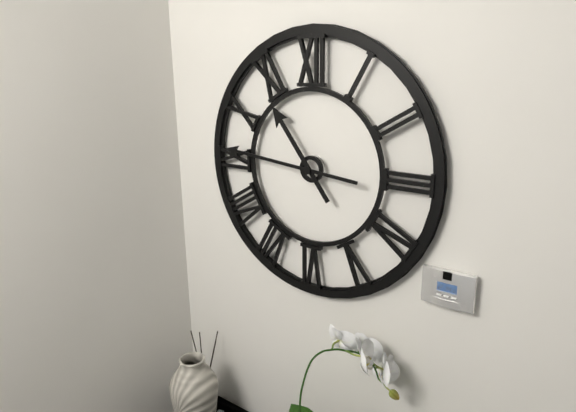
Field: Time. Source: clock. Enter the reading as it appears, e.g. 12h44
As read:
10h46
